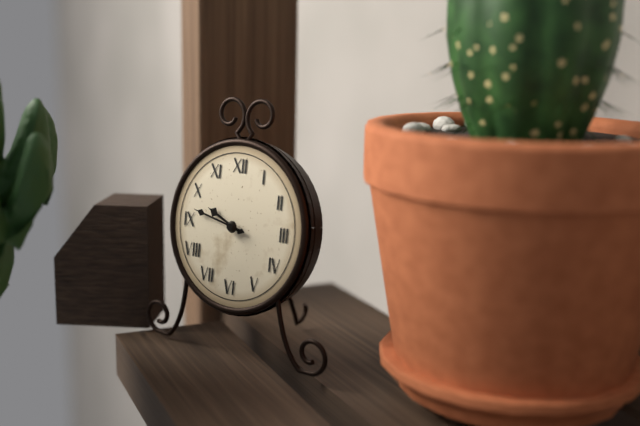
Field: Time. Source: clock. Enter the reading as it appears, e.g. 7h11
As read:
9h47
